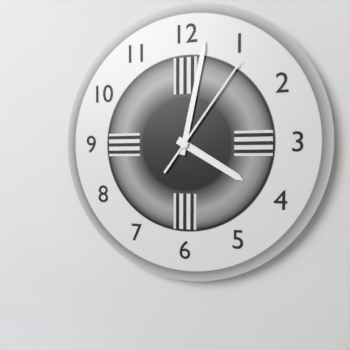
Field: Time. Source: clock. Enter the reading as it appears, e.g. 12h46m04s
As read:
4h02m06s
